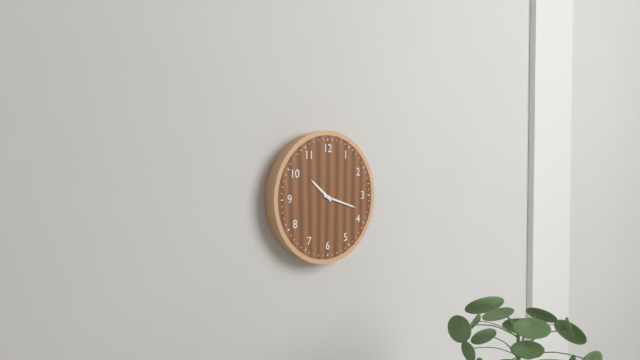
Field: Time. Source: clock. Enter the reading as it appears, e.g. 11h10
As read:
10h18
